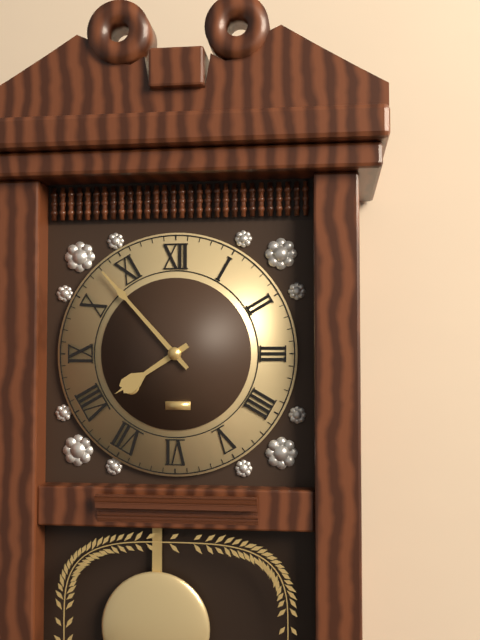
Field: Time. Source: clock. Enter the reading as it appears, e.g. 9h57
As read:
7h53
